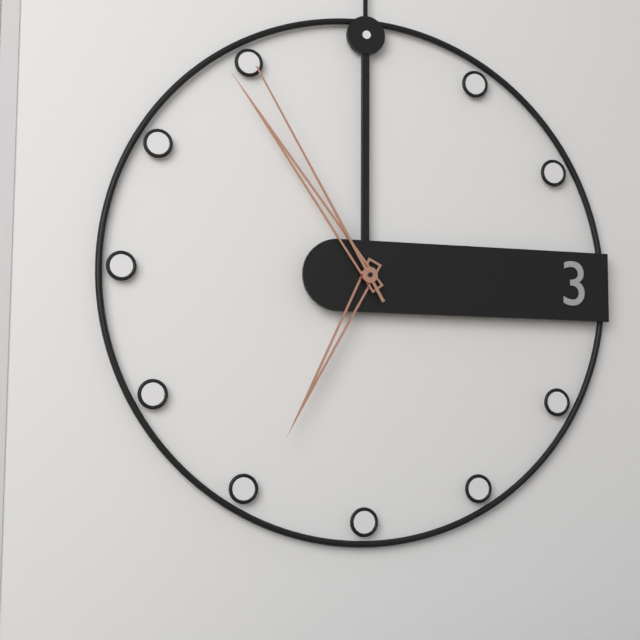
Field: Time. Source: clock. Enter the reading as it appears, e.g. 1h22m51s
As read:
6h54m55s
